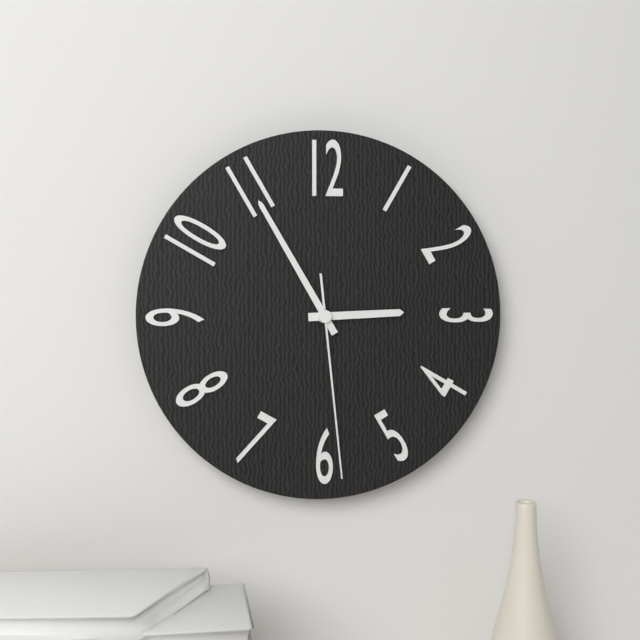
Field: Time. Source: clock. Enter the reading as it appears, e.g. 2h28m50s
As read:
2h55m29s
